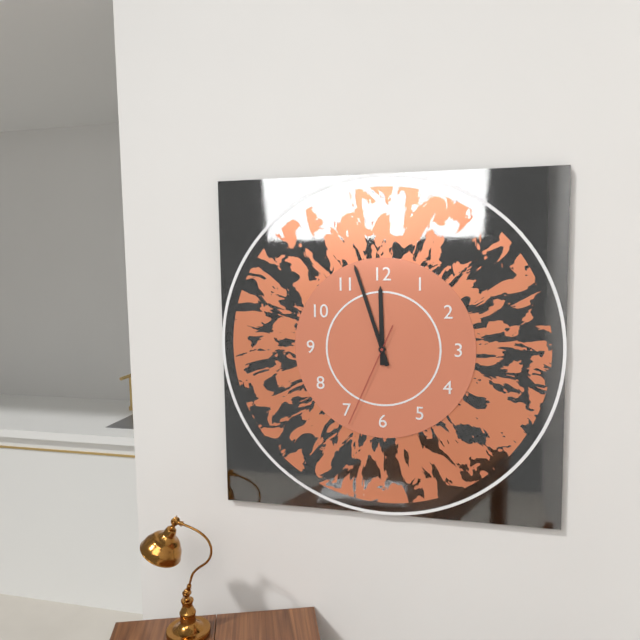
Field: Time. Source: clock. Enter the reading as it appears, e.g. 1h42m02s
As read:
11h57m34s
